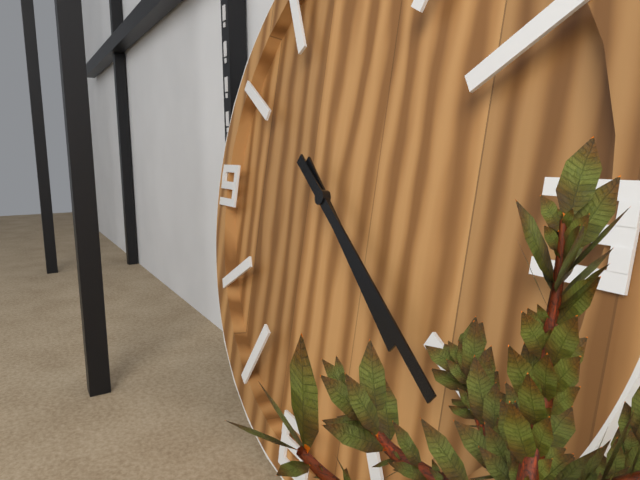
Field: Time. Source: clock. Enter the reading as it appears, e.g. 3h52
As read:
4h21
